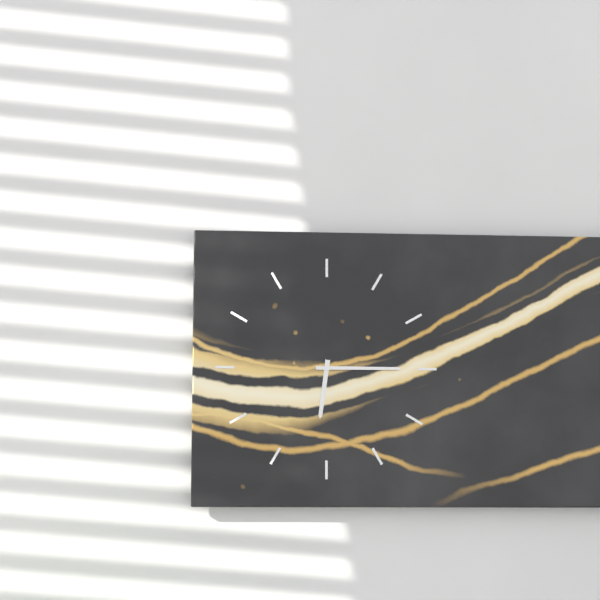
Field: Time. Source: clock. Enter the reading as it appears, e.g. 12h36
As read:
6h15
